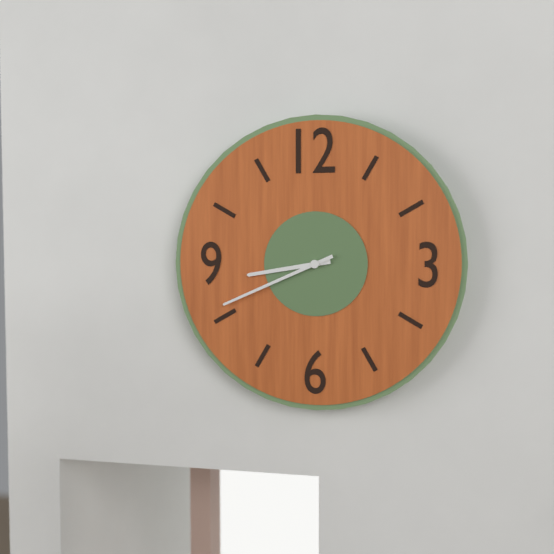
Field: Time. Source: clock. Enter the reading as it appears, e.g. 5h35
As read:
8h41
